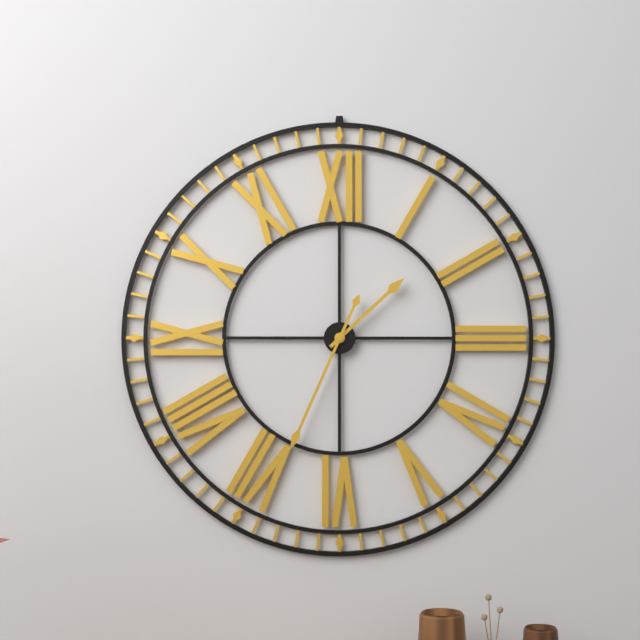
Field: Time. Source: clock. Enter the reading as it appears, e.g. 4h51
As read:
1h34
